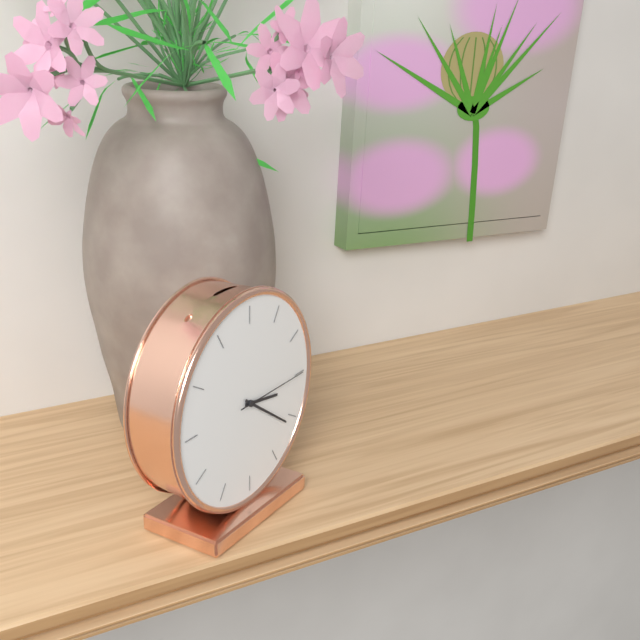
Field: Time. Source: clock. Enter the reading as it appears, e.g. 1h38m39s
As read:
3h21m15s
